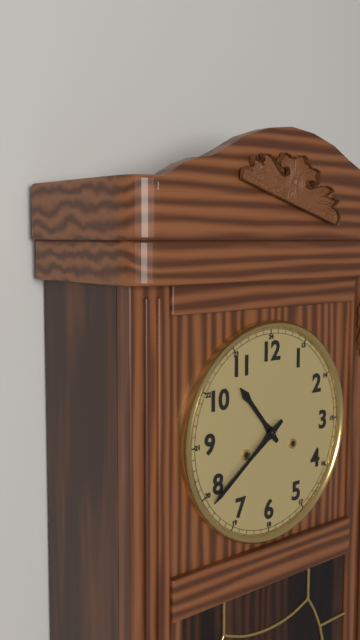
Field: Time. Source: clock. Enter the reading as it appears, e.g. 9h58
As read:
10h39
